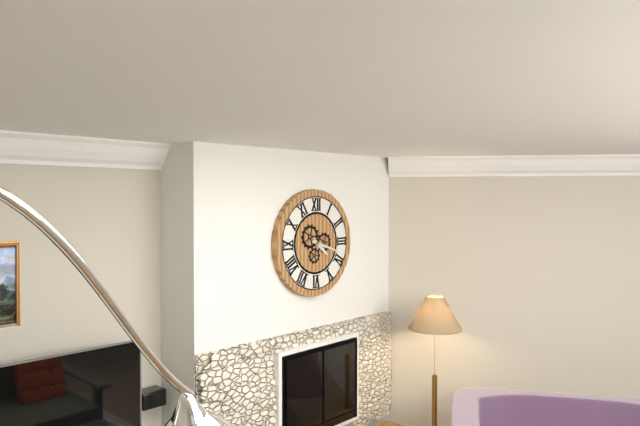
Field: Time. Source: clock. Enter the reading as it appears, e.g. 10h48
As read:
4h18
